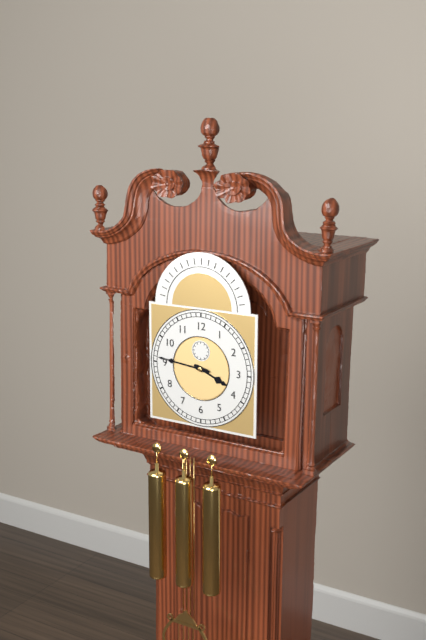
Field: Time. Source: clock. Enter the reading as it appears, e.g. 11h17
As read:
3h46
